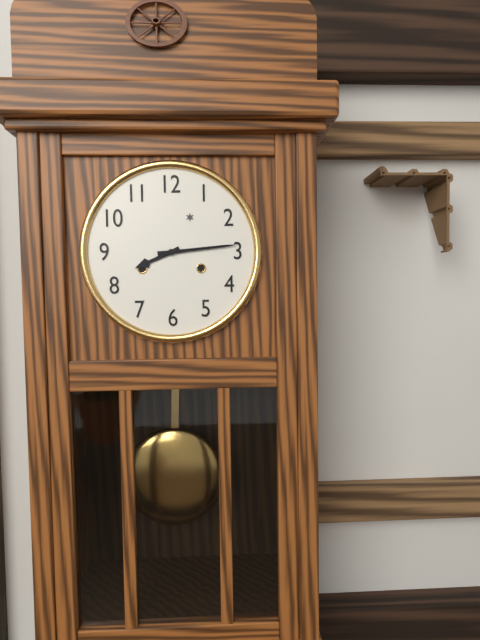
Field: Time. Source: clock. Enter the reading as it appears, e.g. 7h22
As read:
8h14
